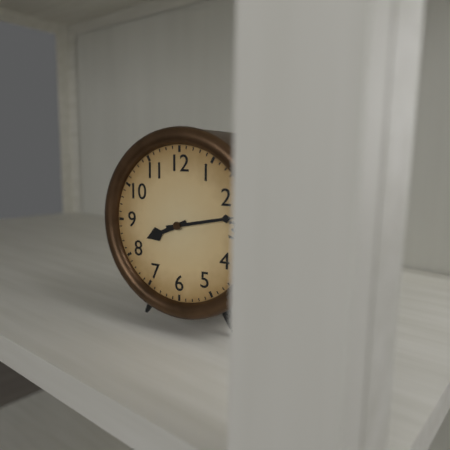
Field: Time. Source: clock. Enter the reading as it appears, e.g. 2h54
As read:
8h13
